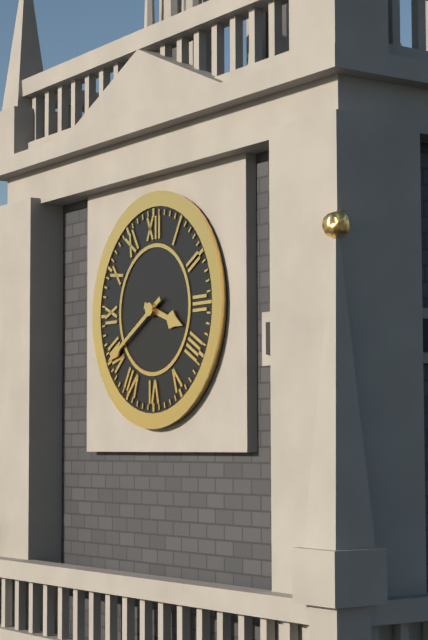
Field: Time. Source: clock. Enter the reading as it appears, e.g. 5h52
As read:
3h40
